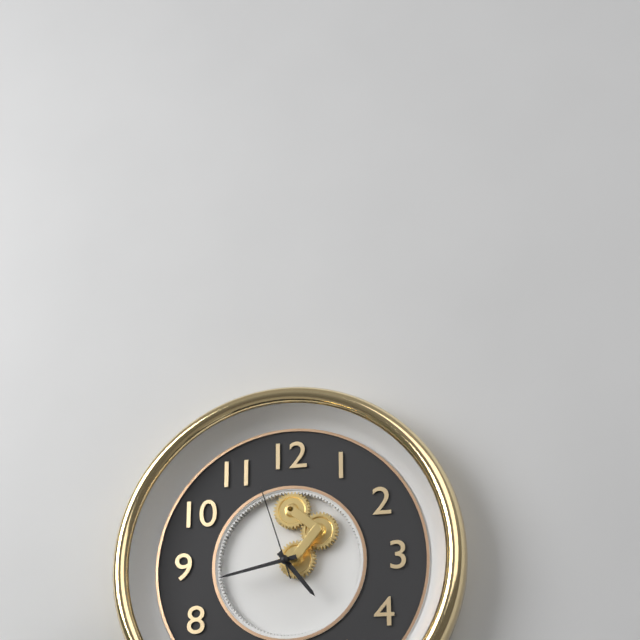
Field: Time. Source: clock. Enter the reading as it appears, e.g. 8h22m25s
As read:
4h43m57s
